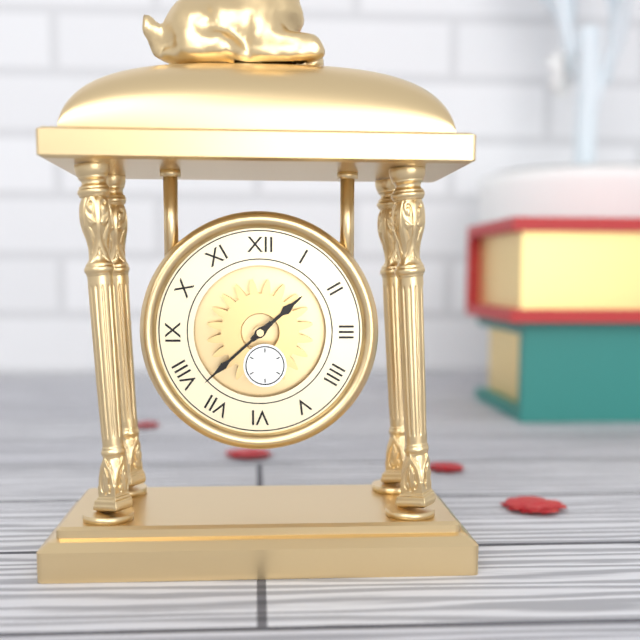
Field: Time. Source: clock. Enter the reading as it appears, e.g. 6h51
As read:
1h38
